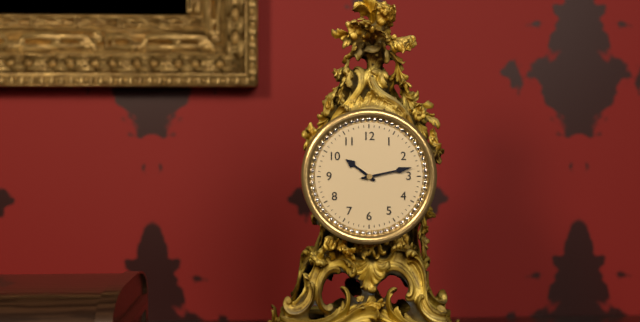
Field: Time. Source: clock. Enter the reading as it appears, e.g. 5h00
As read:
10h13
